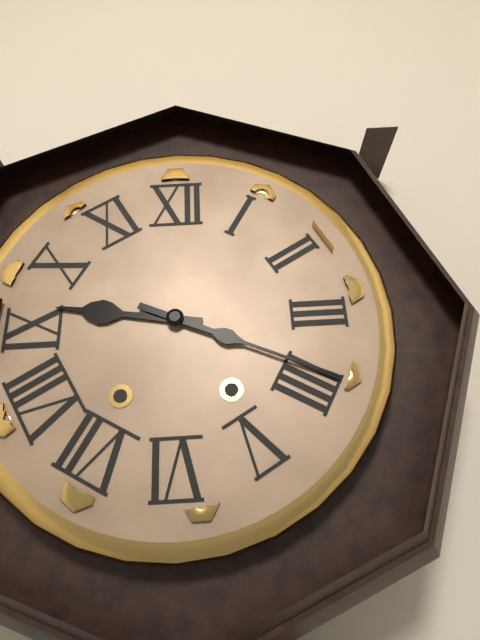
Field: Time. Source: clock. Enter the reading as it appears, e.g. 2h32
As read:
9h19
